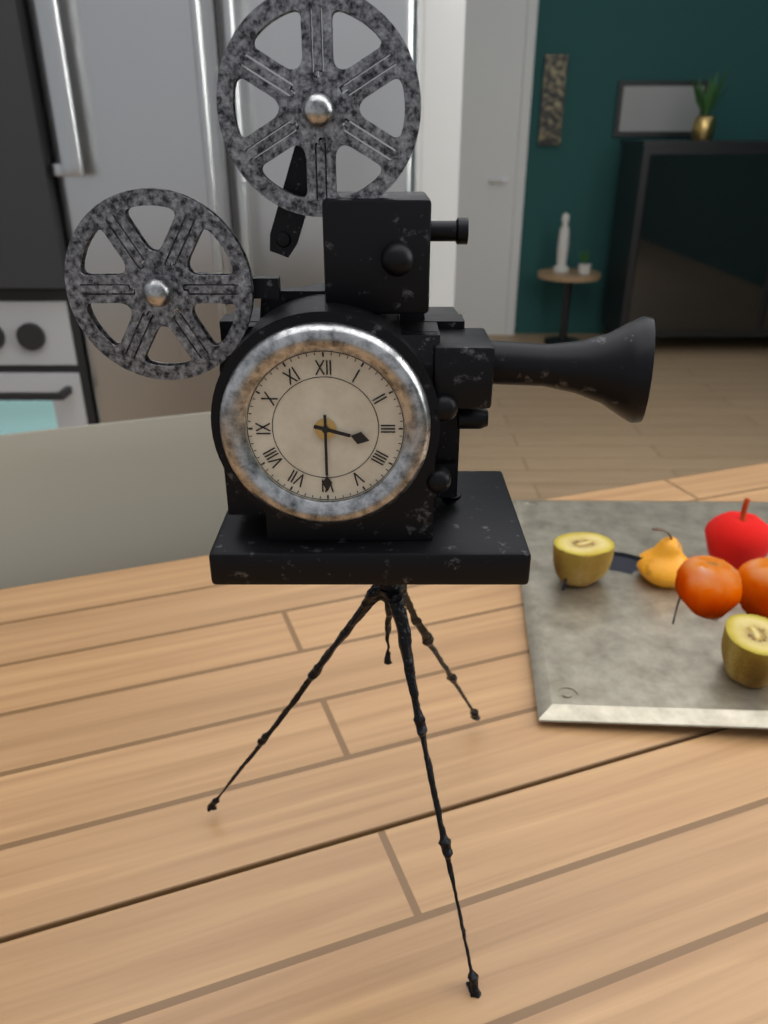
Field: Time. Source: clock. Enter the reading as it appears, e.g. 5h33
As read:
3h30
